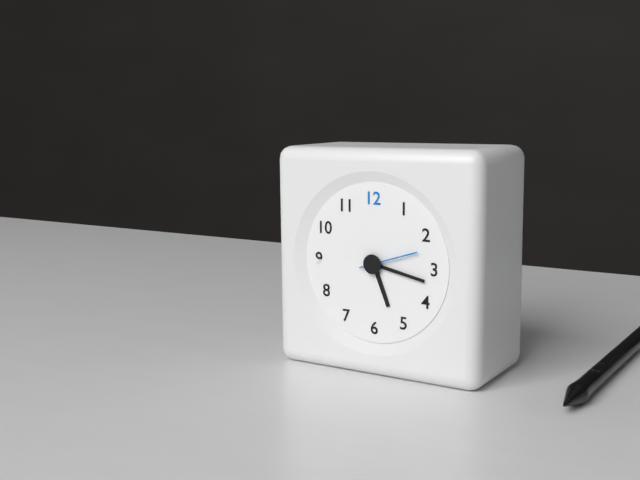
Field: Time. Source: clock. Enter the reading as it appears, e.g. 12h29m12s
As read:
5h17m12s
